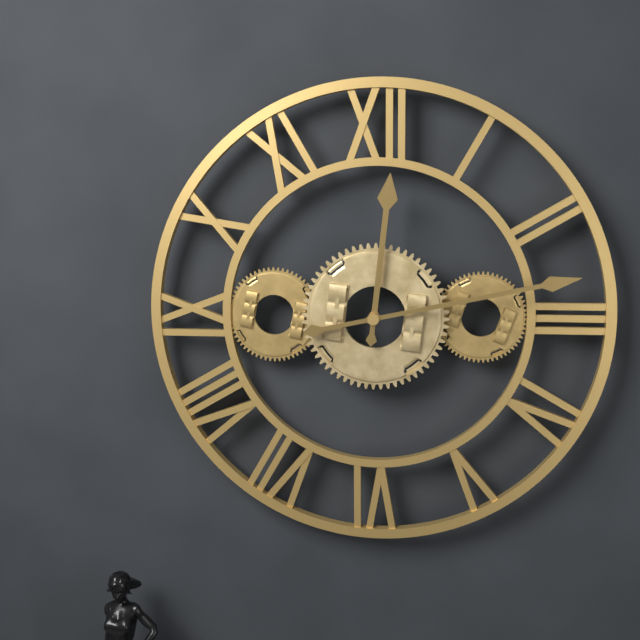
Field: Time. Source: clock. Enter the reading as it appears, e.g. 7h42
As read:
12h13
